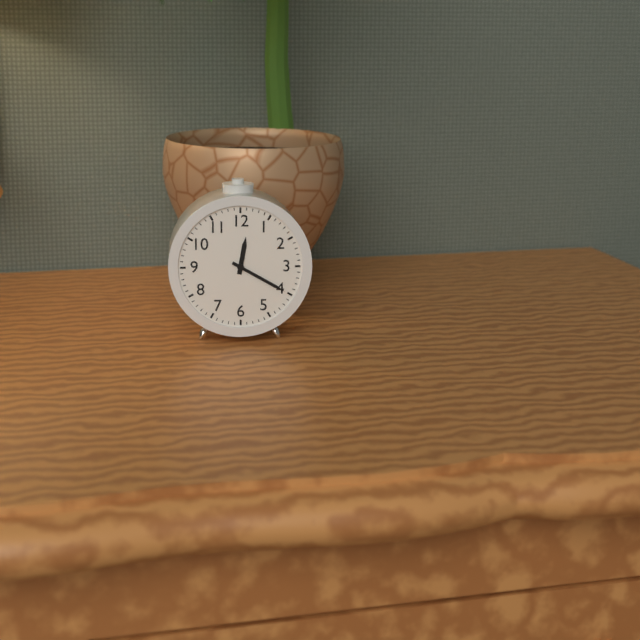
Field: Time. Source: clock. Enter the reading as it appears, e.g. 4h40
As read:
12h20
